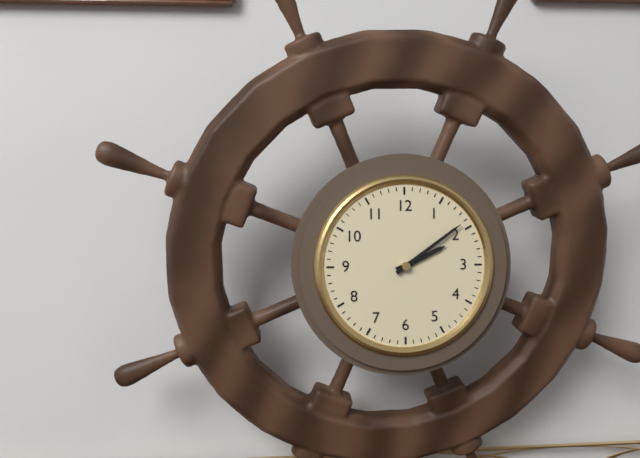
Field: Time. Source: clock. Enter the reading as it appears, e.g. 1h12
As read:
2h09
